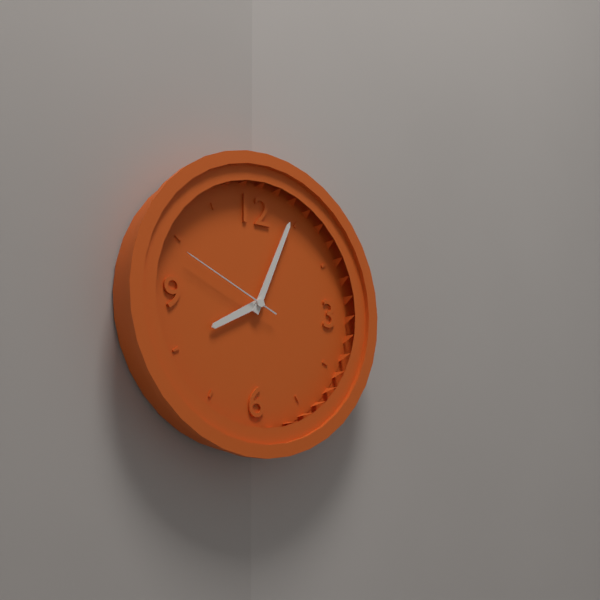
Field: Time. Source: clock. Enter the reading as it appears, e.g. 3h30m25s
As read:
8h04m49s
